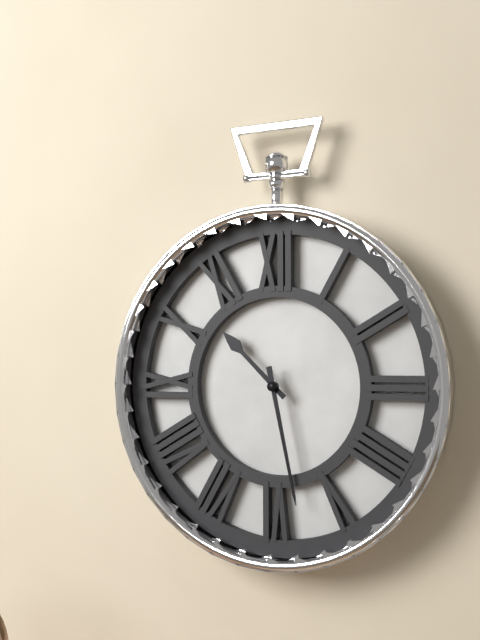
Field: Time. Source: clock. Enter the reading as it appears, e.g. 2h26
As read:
10h28
